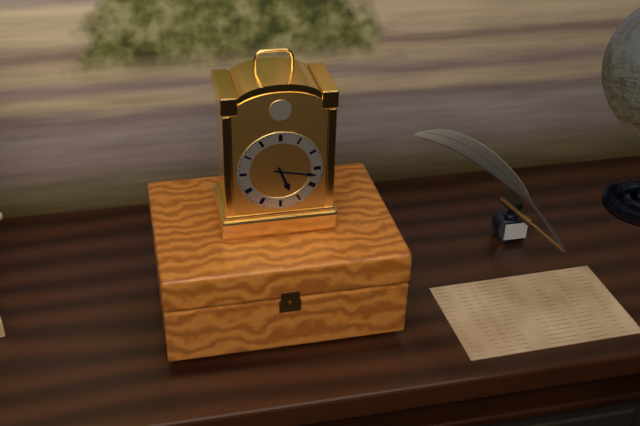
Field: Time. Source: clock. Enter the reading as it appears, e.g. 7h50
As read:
5h17
